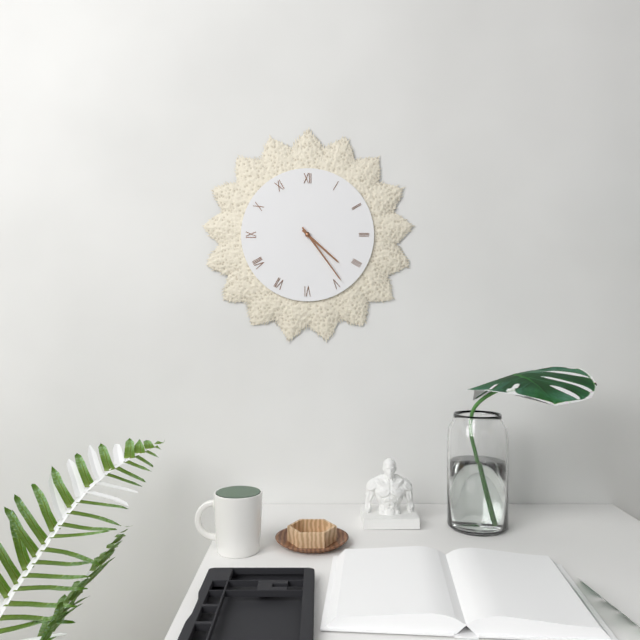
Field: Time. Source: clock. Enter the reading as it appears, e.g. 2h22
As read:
4h24
